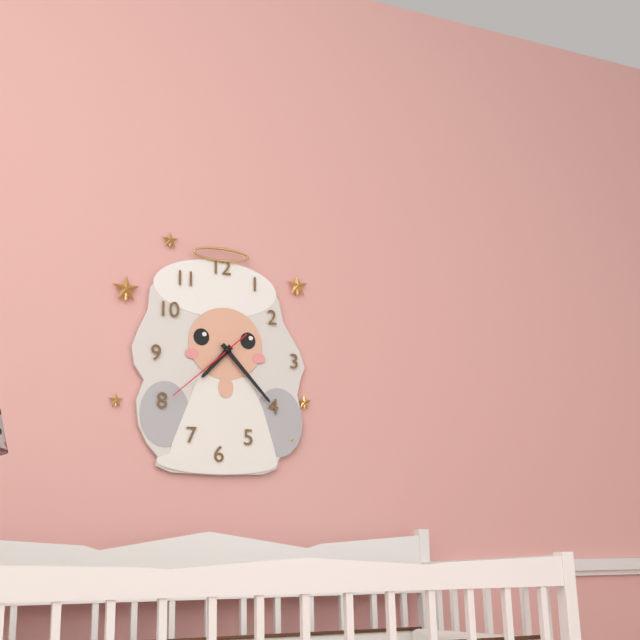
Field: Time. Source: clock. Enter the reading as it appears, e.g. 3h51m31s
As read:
7h23m38s
